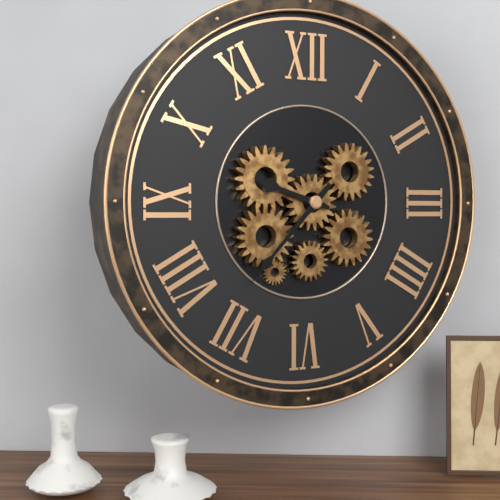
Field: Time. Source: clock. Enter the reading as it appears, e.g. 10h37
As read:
9h37
